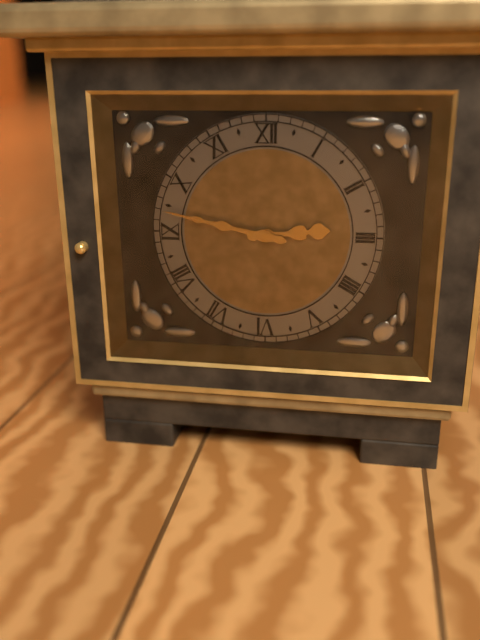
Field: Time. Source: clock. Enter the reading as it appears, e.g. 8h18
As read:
2h47
